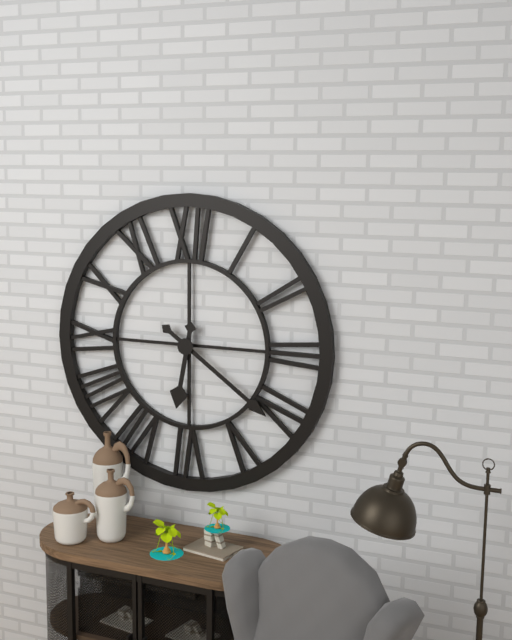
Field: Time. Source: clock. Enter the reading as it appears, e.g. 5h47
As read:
6h21
